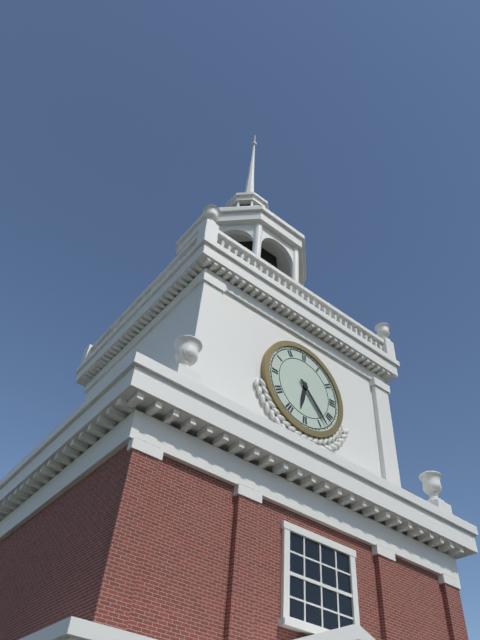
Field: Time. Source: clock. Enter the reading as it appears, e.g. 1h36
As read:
6h23
